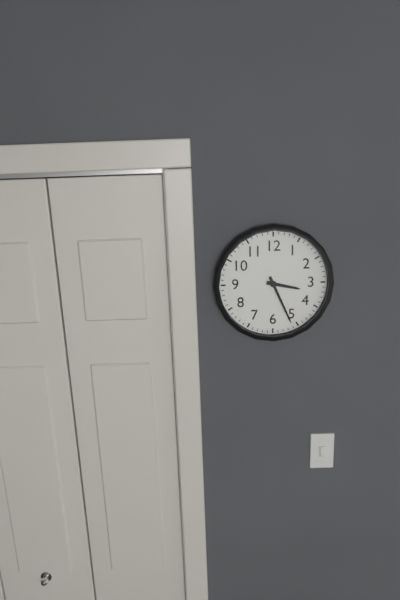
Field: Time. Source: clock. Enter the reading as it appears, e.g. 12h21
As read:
3h26
